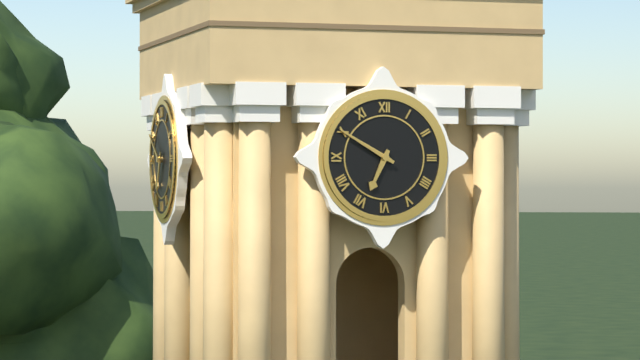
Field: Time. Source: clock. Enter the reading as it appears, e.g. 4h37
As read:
6h50
